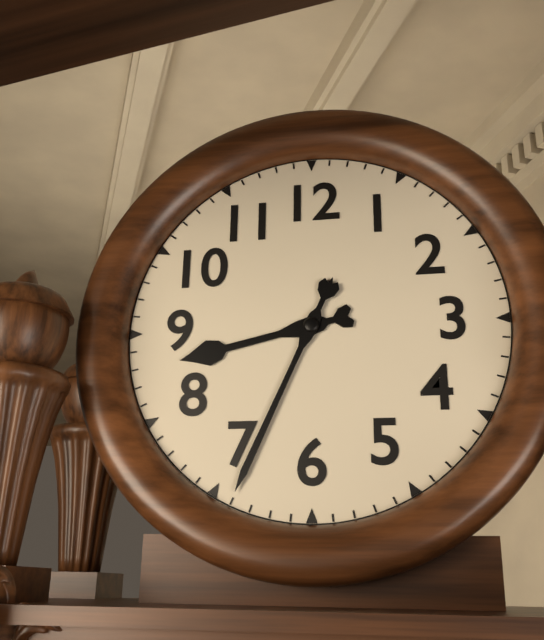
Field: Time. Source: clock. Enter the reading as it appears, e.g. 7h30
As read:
8h34
